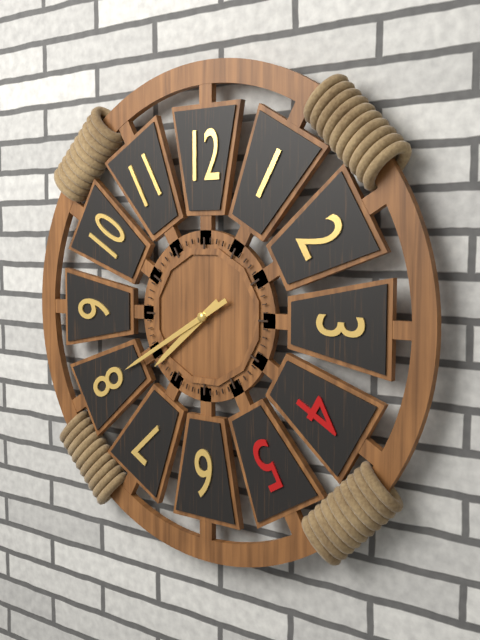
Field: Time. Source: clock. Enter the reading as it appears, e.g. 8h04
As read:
7h40
